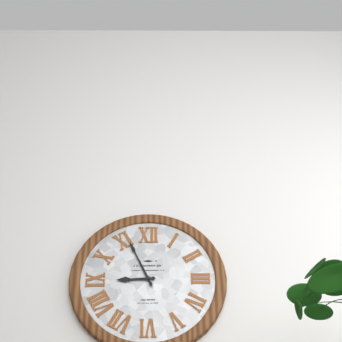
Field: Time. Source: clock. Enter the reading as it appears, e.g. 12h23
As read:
8h56
